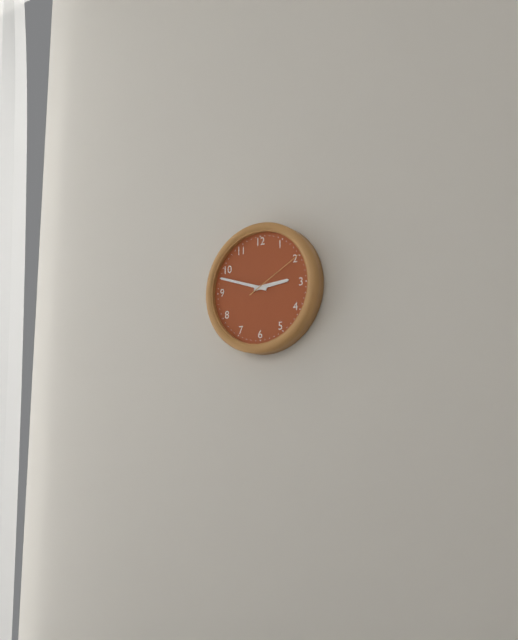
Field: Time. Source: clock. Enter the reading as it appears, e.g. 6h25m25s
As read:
2h48m10s
